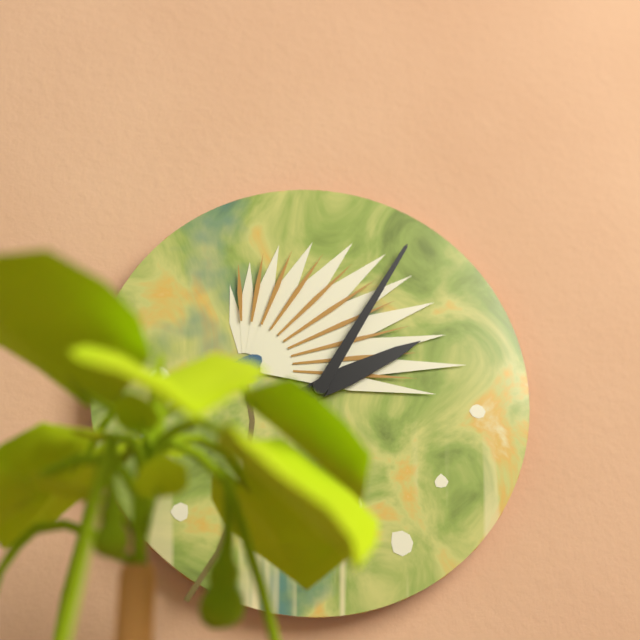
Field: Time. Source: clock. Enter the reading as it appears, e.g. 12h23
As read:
2h05
